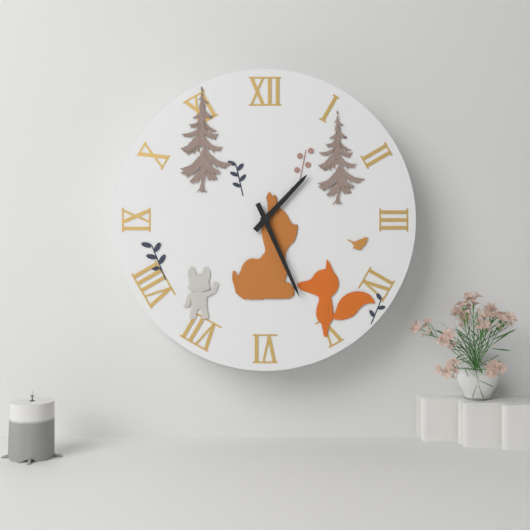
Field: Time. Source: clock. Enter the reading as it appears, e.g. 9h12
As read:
1h26
